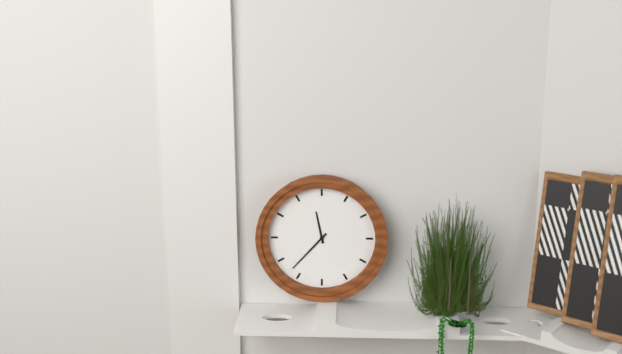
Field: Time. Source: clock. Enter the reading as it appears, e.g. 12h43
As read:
11h37
